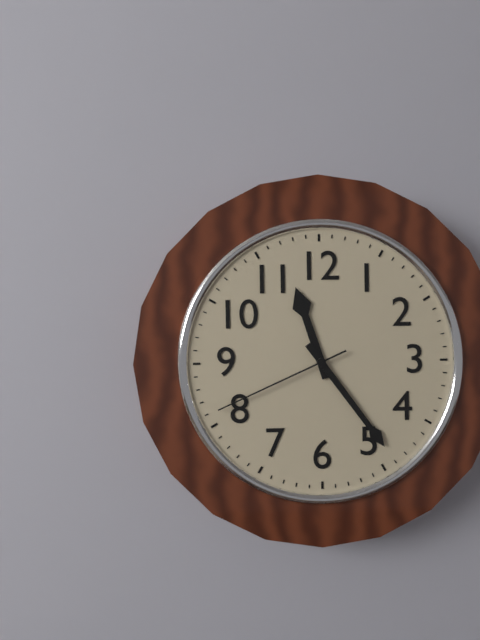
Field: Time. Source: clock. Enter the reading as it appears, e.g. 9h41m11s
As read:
11h24m41s
